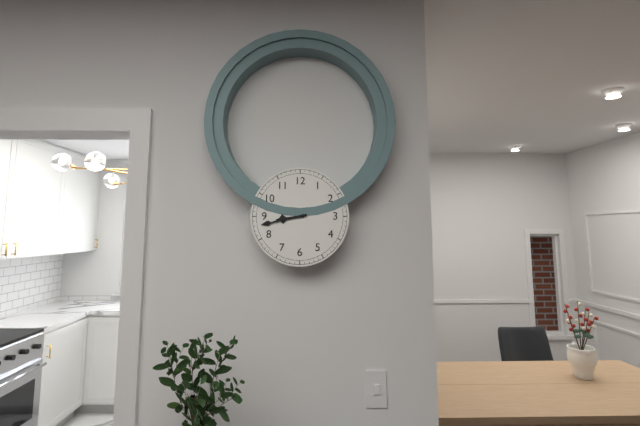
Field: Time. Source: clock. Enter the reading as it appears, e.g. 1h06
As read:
8h43
